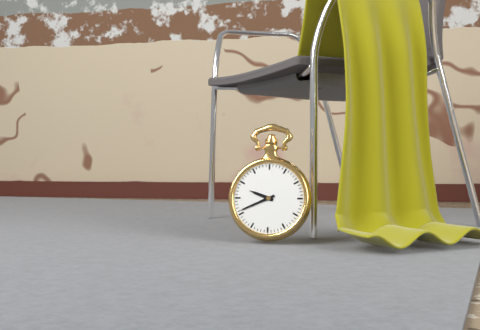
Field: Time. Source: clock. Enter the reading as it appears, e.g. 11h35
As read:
9h41
